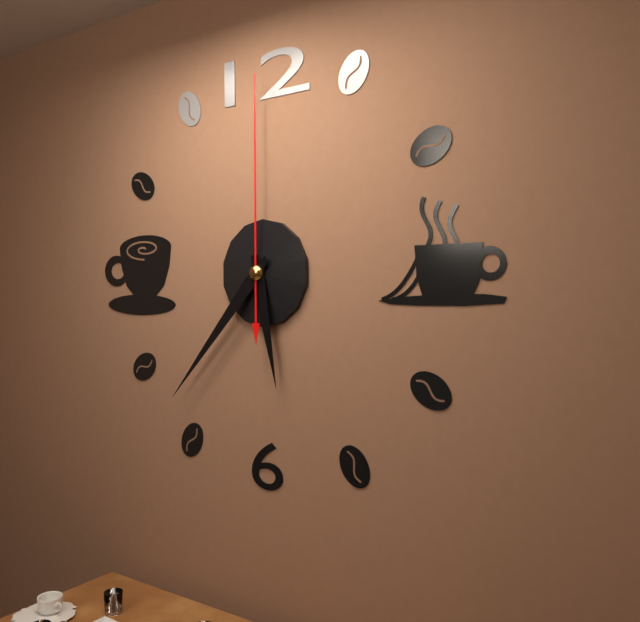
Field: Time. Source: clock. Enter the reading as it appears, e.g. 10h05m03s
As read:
5h37m00s
